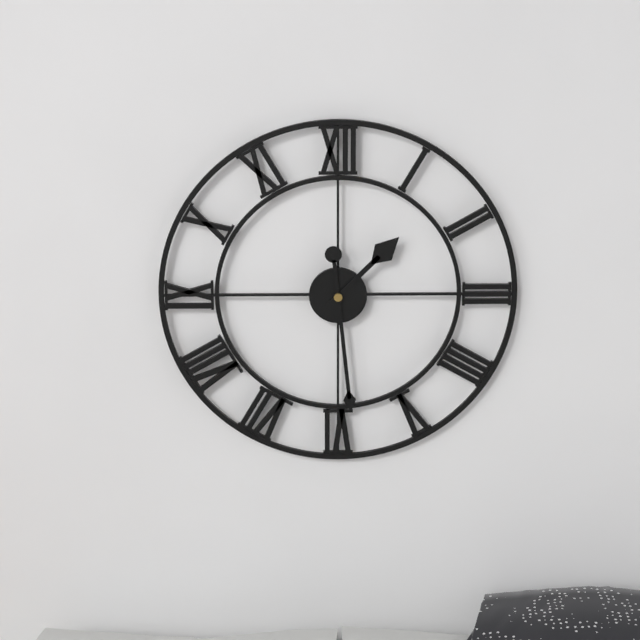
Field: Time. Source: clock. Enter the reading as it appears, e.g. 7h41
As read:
1h29
